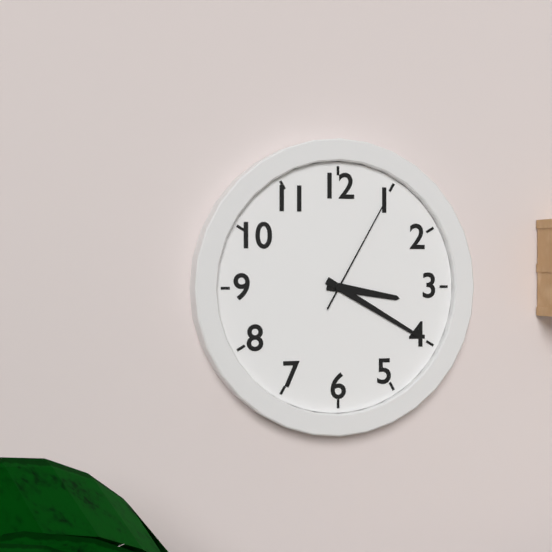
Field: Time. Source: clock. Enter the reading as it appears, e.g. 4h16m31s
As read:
3h20m05s
